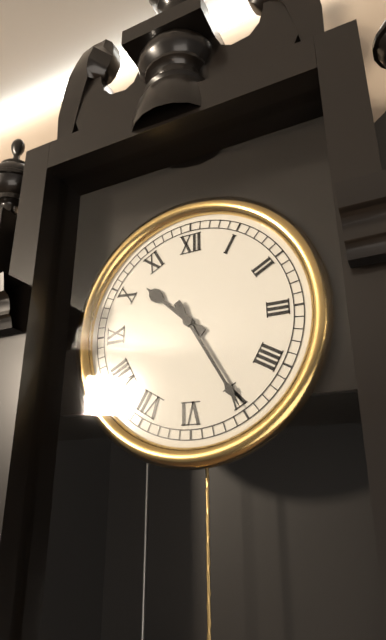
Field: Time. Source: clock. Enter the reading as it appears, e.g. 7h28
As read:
10h25
